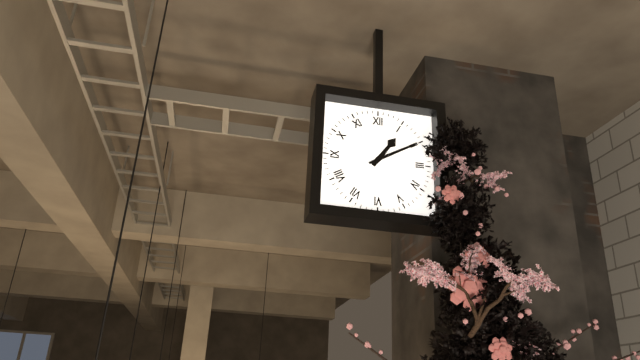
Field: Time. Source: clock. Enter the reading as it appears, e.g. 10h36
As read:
1h10
